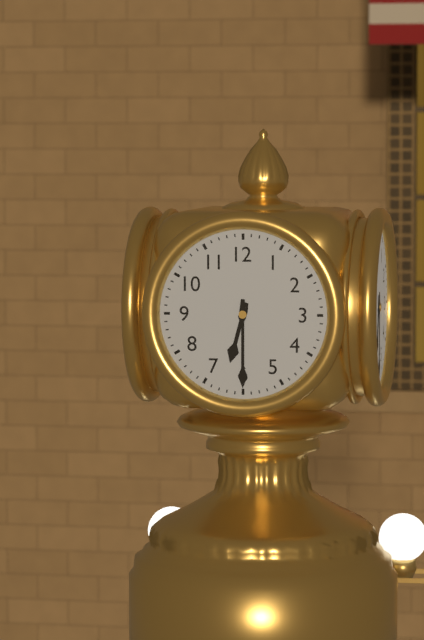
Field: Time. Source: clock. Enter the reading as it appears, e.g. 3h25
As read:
6h30
